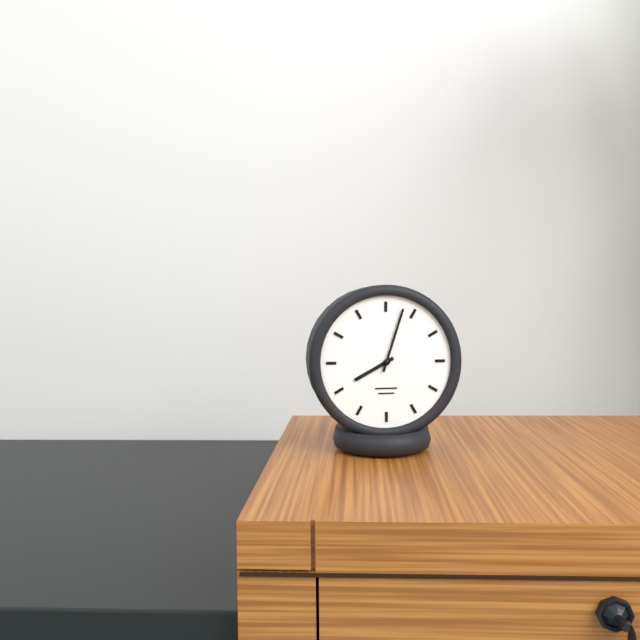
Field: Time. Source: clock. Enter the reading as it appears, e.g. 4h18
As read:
8h03
